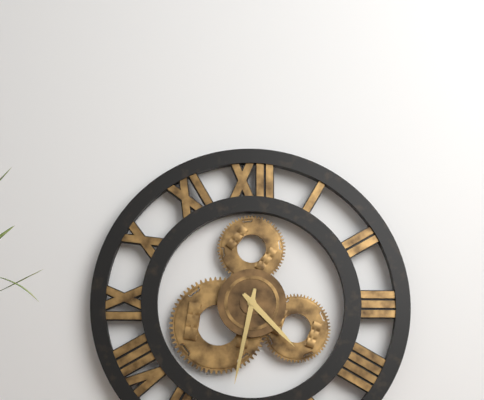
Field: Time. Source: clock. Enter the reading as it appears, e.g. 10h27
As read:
4h32
